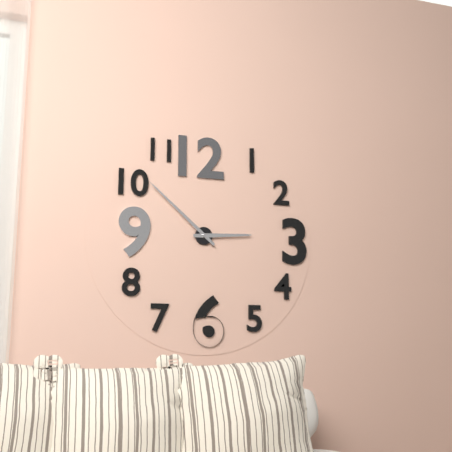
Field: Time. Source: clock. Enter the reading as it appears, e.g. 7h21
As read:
2h52
